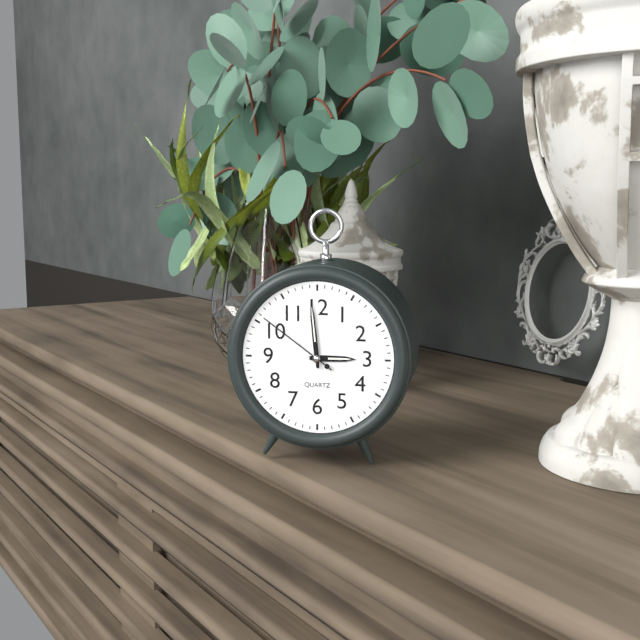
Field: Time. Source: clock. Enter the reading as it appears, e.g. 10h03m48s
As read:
2h59m51s
